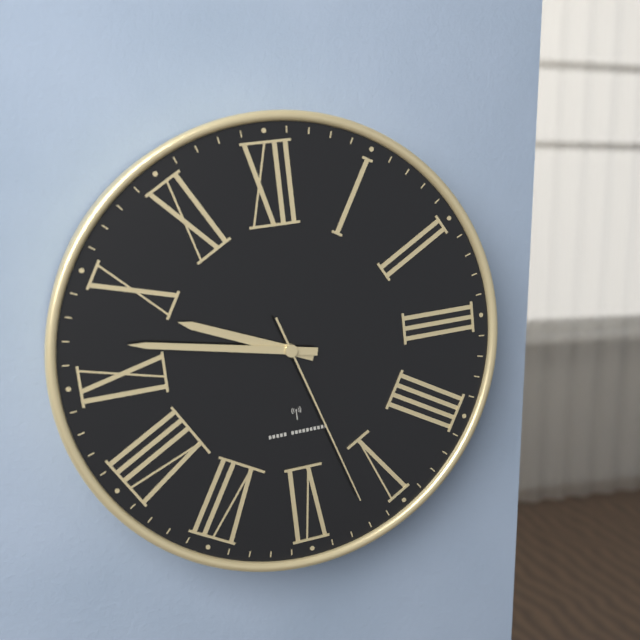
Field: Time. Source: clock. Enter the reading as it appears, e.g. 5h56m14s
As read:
9h47m27s
